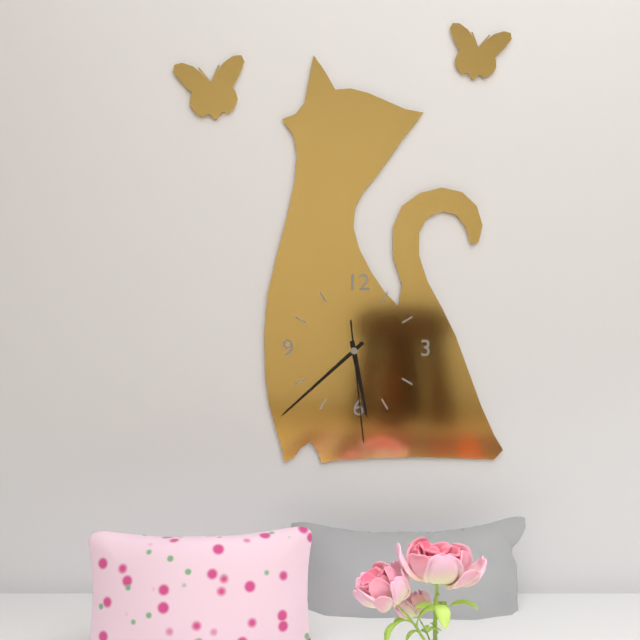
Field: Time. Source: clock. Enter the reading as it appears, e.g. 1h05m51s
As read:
5h38m29s
